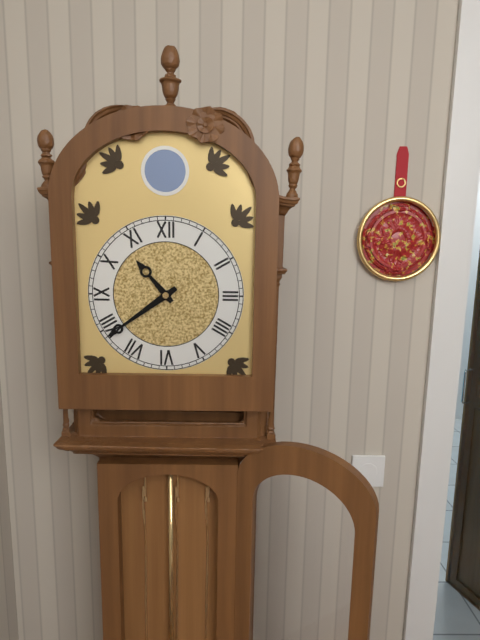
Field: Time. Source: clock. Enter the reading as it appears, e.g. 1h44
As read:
10h39
